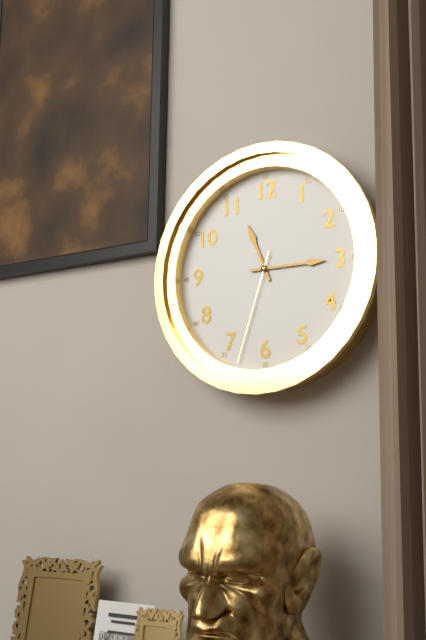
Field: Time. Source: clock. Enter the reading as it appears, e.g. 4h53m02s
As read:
11h15m33s
